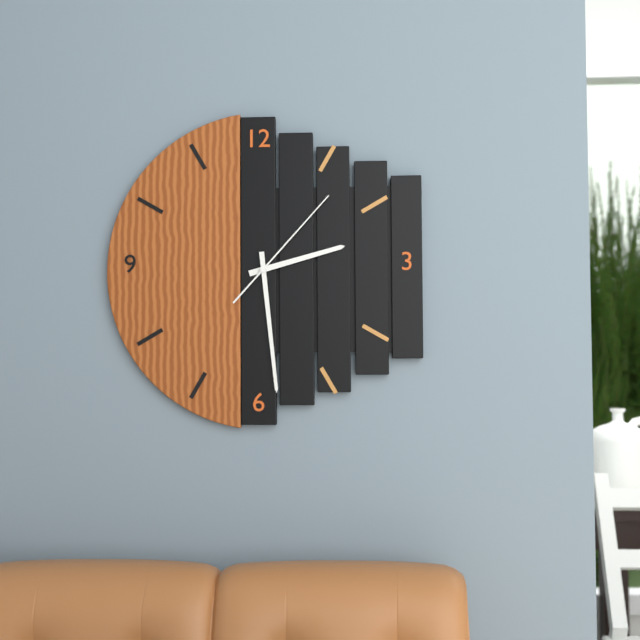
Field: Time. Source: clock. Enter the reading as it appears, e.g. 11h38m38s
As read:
2h29m07s
